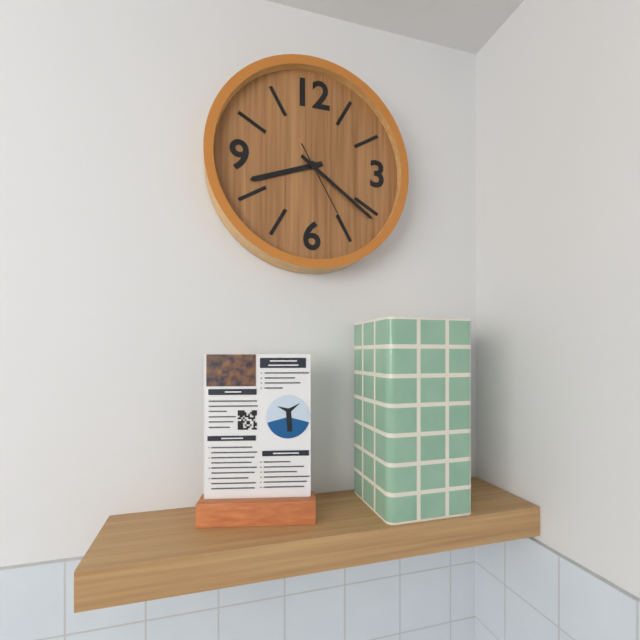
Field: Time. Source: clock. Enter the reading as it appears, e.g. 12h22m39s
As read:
8h21m25s
